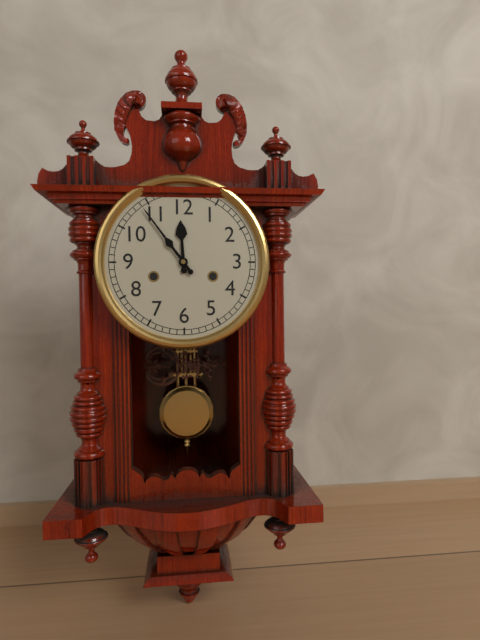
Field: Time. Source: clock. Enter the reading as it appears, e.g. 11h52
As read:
11h54
